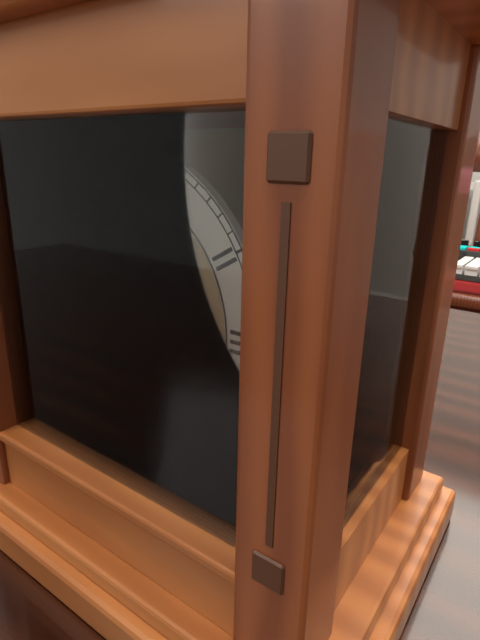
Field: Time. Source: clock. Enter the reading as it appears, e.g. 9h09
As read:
7h38
